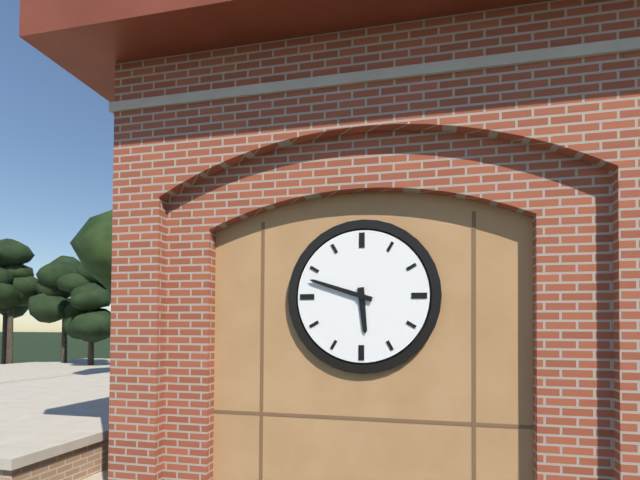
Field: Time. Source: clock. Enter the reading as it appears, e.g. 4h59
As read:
5h48
